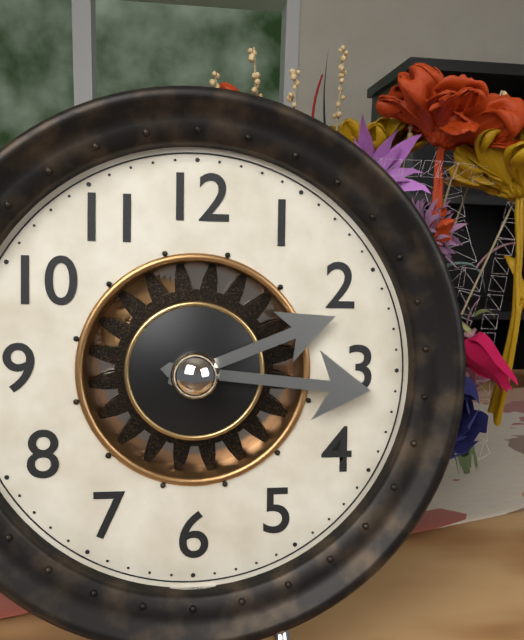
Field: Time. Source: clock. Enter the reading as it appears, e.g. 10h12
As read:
2h16
